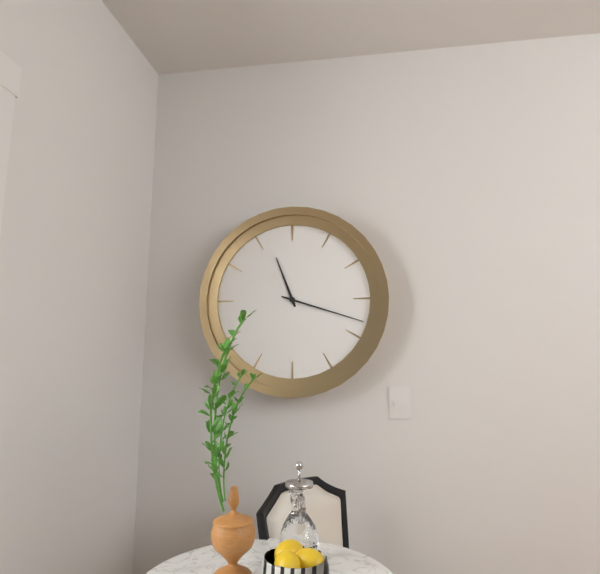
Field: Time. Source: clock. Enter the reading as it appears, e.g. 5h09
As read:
11h18
